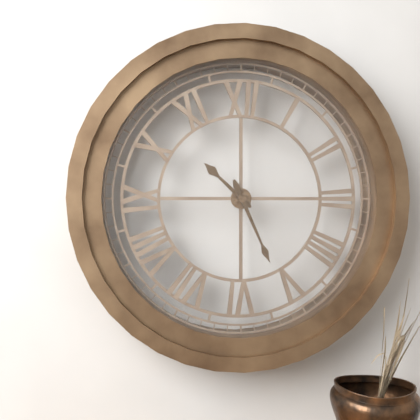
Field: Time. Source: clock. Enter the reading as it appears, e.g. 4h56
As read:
10h26
